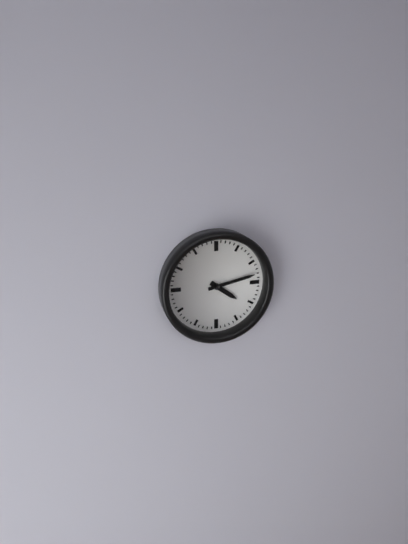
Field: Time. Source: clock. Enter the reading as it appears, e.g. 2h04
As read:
4h13
